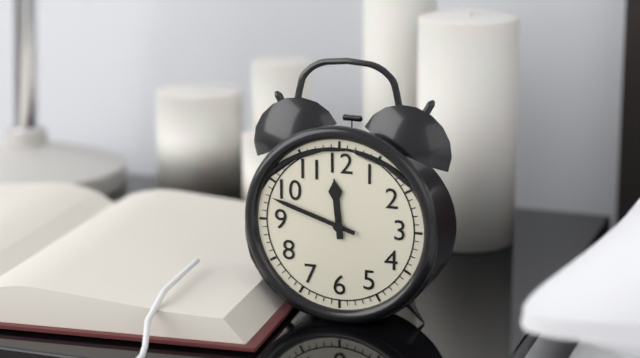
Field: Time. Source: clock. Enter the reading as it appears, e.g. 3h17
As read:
11h48
